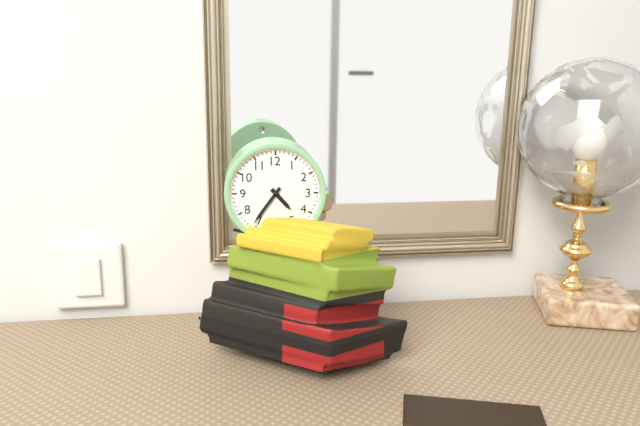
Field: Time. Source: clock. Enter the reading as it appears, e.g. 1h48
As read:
4h36
